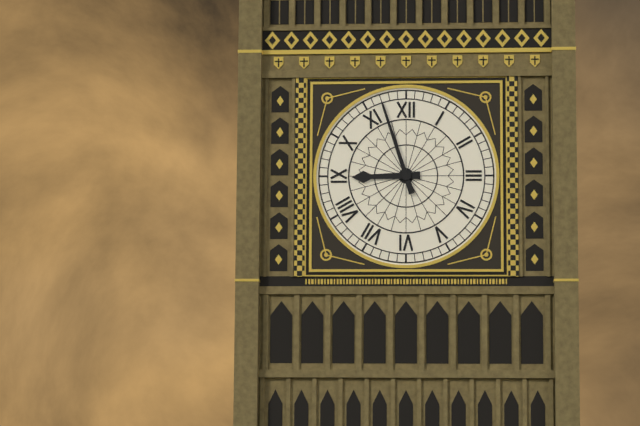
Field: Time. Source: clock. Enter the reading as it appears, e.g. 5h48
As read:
8h57
